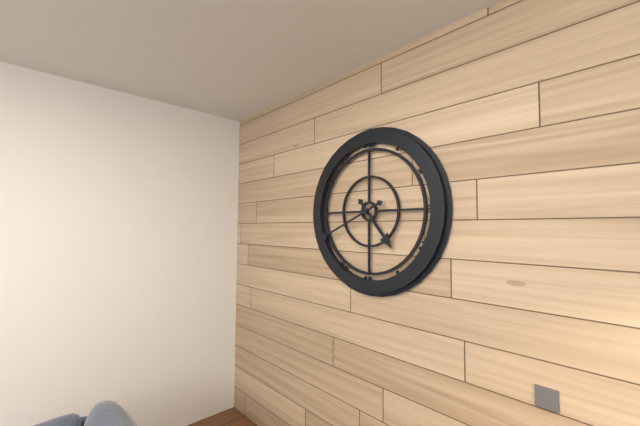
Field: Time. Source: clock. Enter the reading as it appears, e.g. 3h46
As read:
4h41
